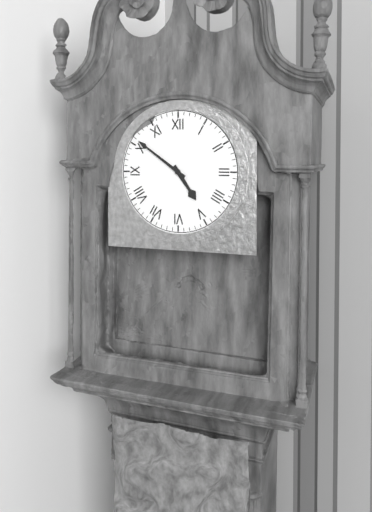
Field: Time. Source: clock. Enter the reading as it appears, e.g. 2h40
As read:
4h51
